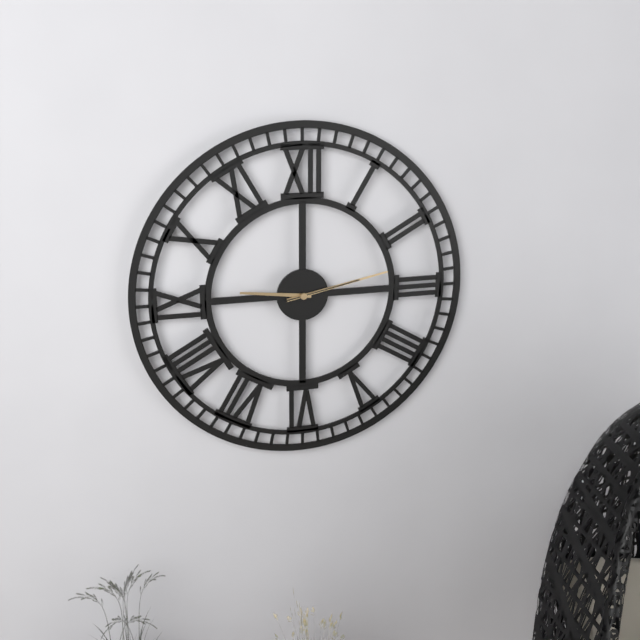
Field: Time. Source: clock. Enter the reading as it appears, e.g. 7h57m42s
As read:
9h13m13s
